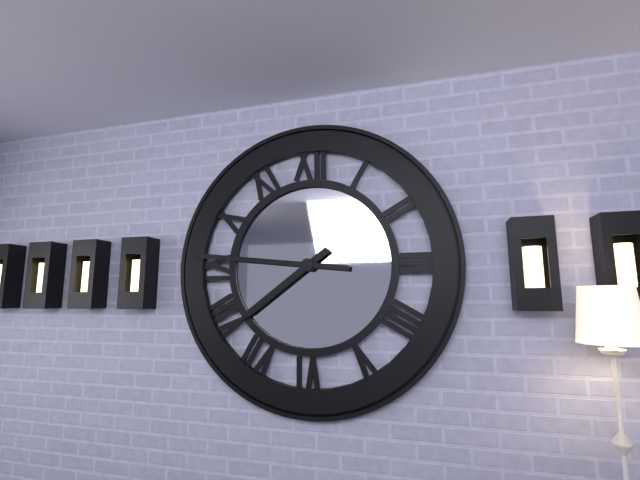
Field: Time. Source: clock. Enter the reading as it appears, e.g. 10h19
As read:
7h46
